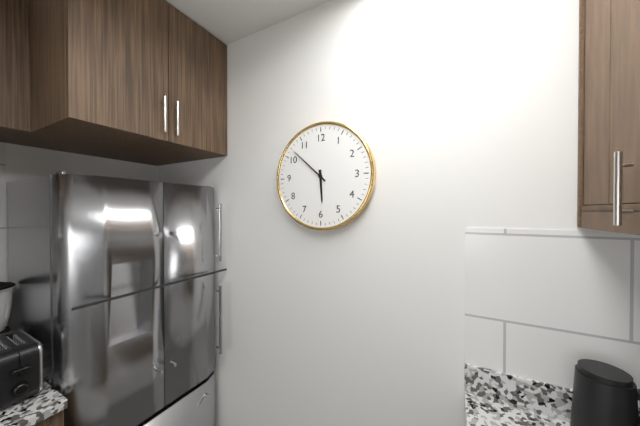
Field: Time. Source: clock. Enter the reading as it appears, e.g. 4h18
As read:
5h52
